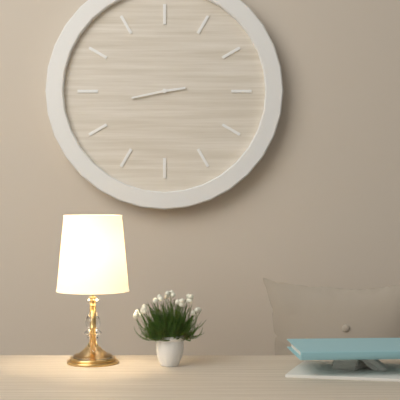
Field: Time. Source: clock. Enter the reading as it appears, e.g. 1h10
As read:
2h43
